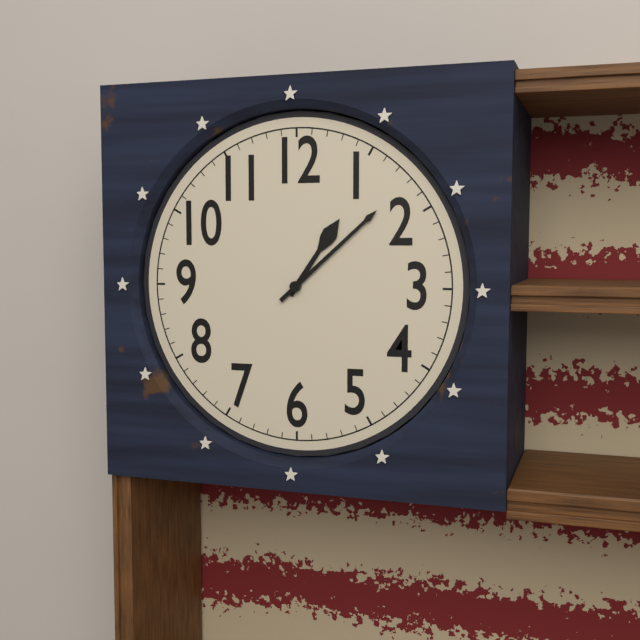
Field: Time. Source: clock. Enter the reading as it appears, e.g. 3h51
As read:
1h08
